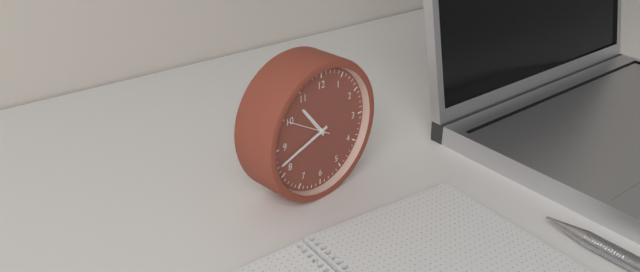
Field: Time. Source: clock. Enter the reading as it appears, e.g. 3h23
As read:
10h42
